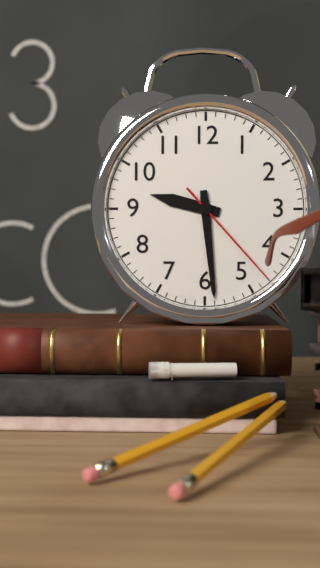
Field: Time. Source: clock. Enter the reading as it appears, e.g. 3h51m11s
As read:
9h29m23s
